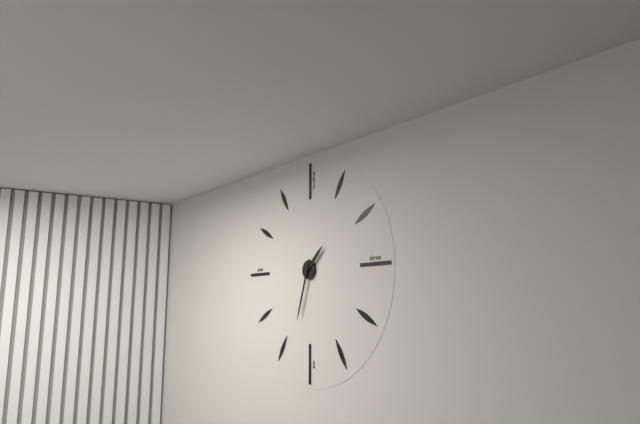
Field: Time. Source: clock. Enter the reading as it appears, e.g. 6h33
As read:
1h33
